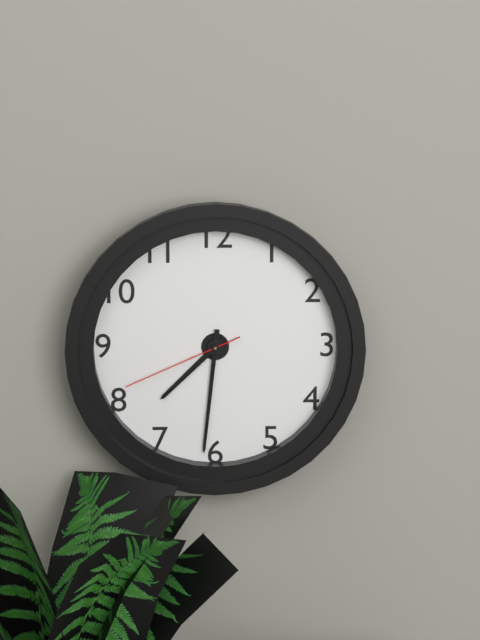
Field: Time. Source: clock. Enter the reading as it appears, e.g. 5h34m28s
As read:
7h31m41s
